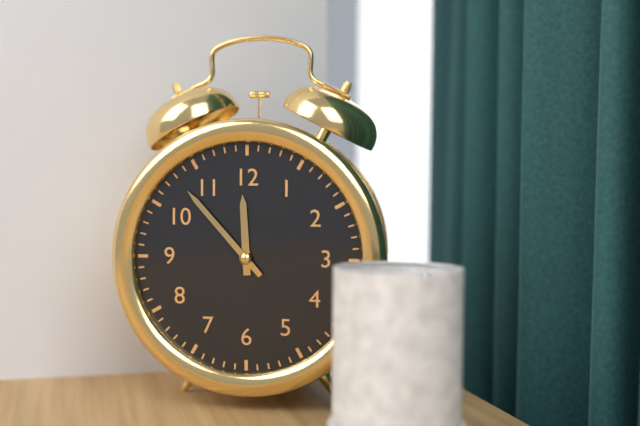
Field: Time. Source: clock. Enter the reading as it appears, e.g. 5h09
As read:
11h53
